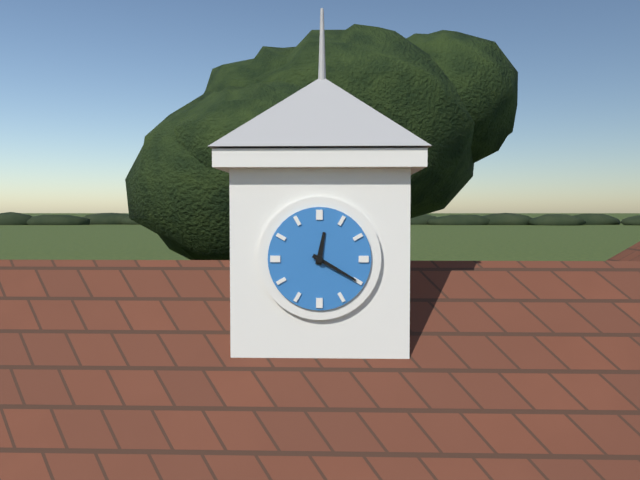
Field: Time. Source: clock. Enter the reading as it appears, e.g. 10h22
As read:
12h20
